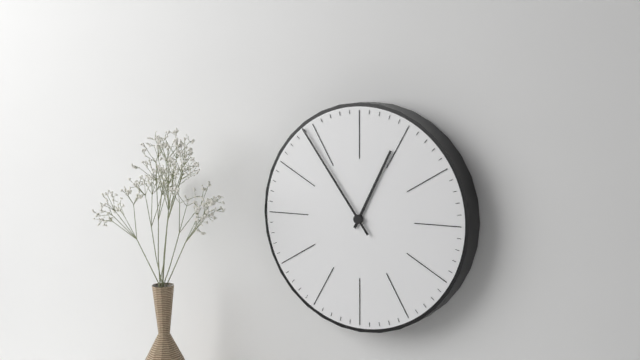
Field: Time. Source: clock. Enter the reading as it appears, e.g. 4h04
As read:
12h54
